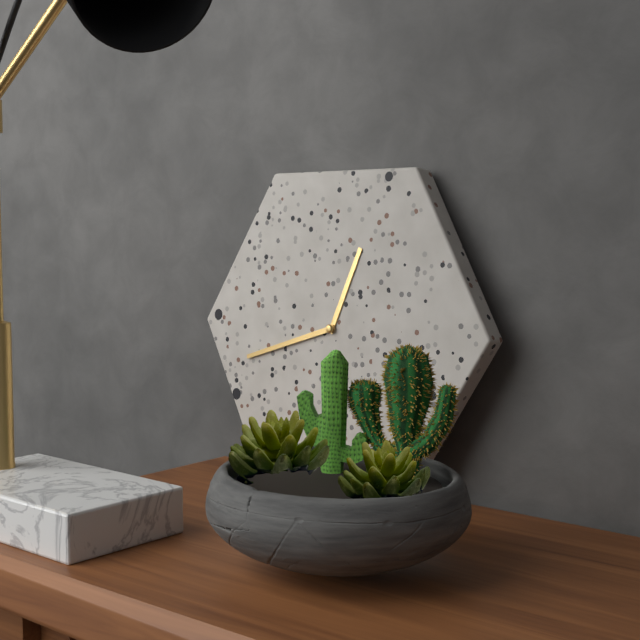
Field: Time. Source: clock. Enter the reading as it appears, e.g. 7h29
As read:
12h42
